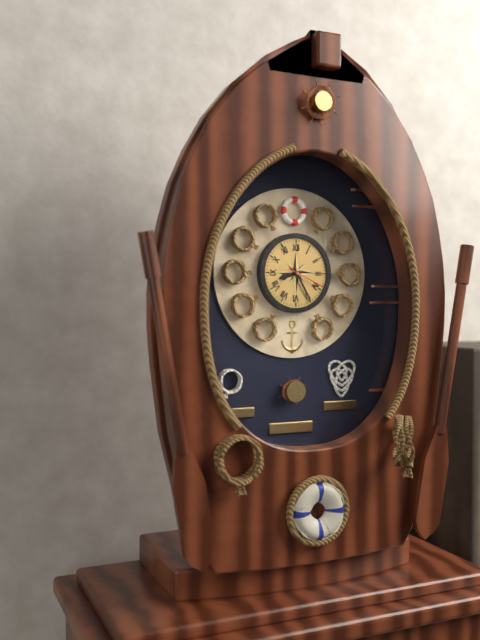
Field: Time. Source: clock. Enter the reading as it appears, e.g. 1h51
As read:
8h25
